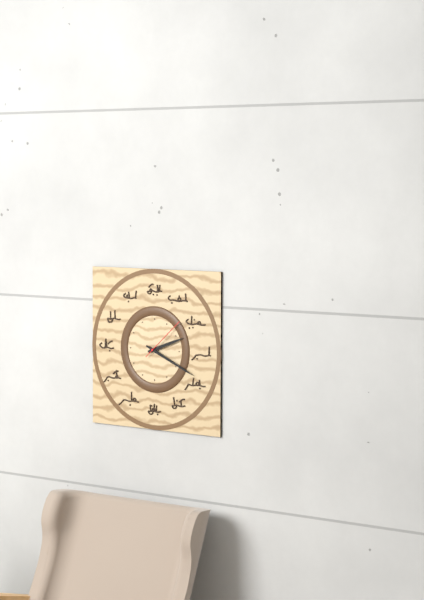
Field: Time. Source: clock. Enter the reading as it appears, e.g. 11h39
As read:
2h19
